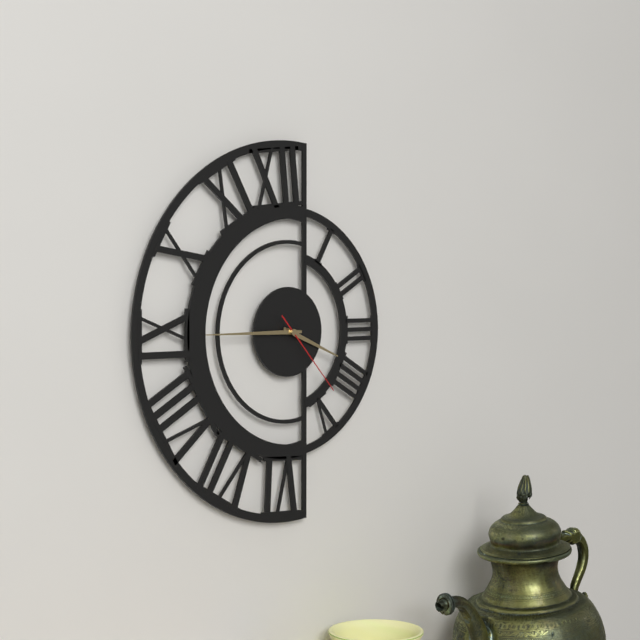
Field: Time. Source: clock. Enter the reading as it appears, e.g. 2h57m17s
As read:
3h45m23s
